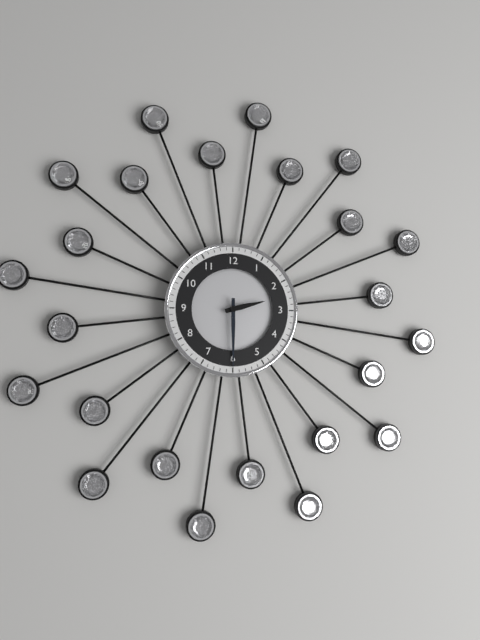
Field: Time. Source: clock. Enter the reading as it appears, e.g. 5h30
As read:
2h30
